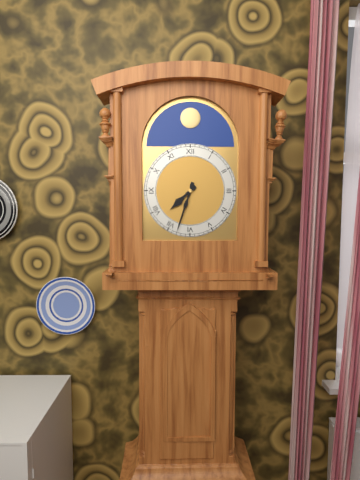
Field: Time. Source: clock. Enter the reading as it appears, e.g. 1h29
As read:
7h33
